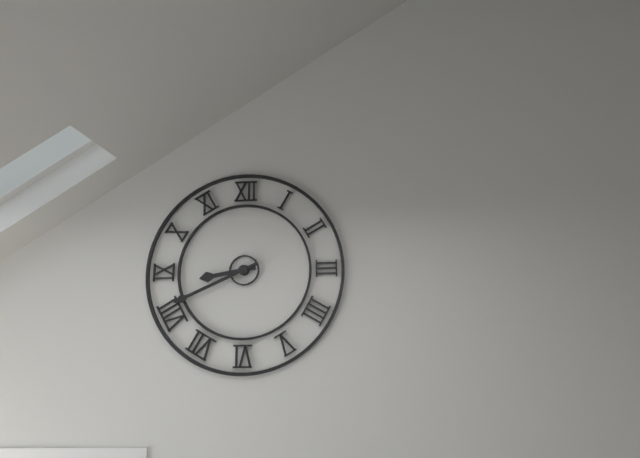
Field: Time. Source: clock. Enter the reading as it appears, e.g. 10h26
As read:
8h41
